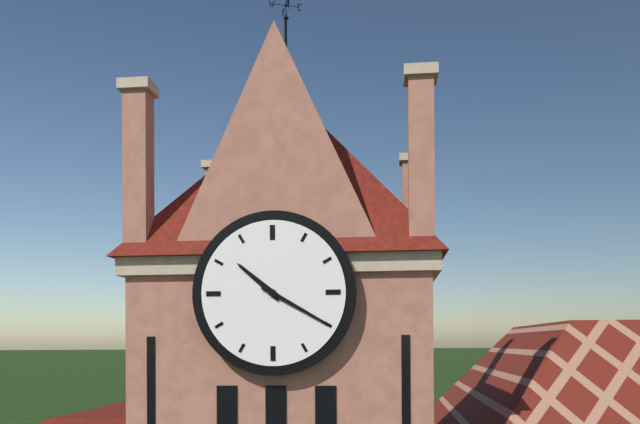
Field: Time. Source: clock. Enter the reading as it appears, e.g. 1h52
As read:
10h20
